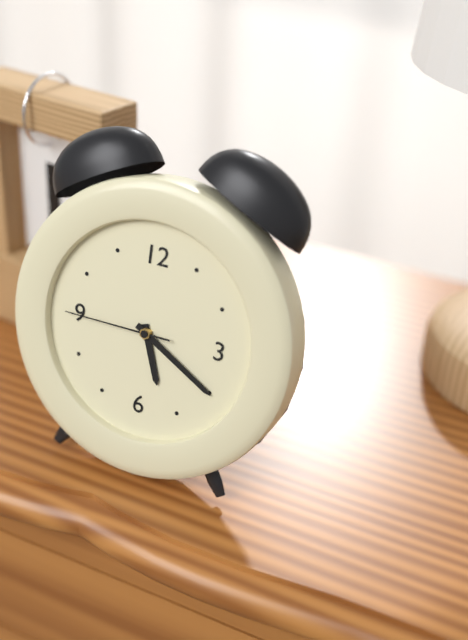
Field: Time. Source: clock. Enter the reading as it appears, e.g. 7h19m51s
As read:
5h20m45s
